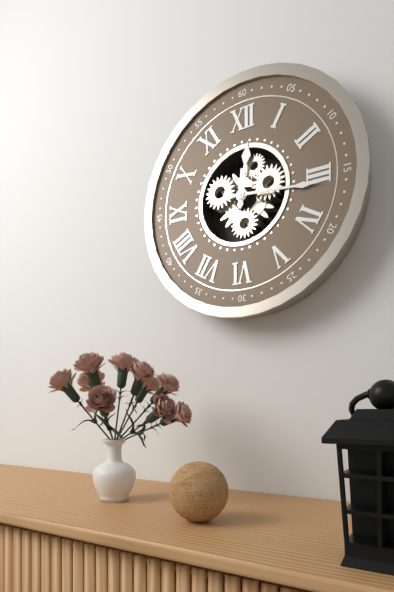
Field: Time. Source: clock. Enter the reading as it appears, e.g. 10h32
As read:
12h16
